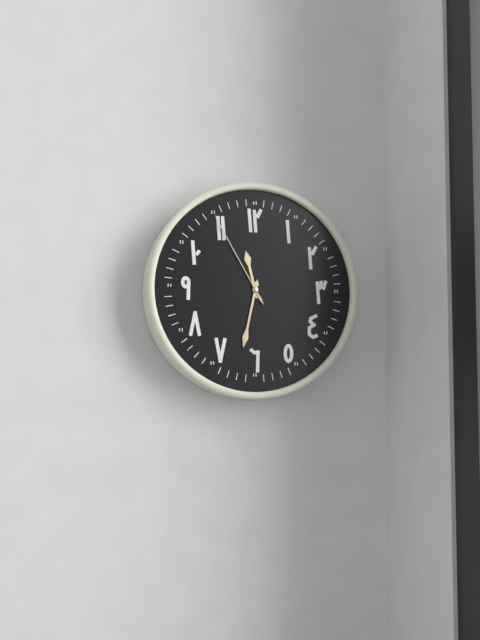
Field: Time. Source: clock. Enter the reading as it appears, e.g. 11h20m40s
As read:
11h32m55s
